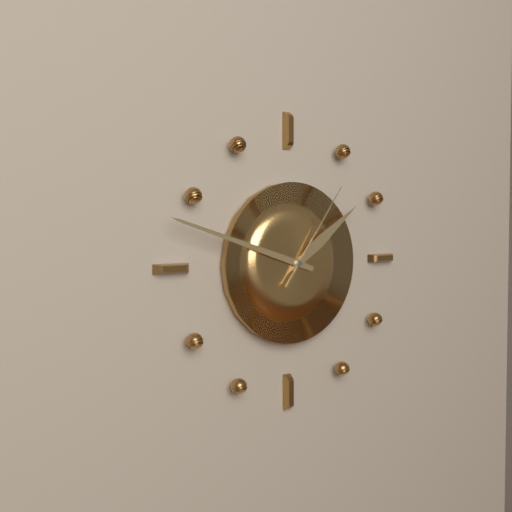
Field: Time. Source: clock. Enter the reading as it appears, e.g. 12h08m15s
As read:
1h48m06s
